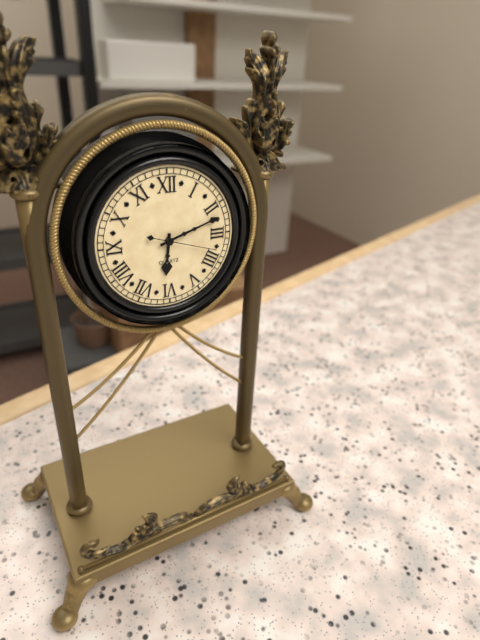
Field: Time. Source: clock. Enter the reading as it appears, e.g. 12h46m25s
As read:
6h12m18s
